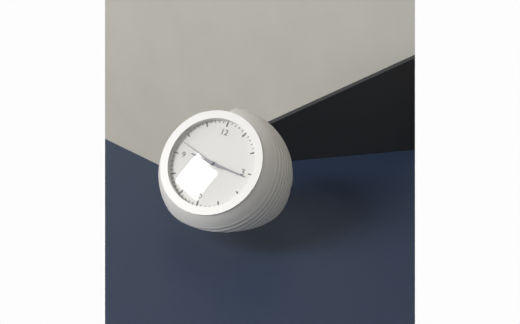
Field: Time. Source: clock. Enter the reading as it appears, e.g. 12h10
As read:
9h16
